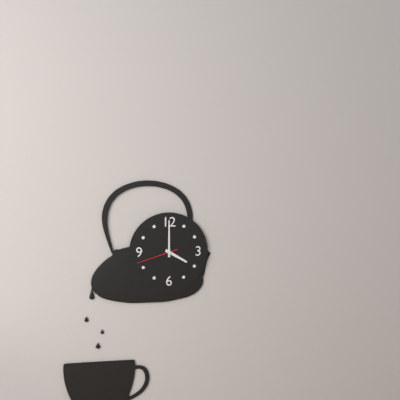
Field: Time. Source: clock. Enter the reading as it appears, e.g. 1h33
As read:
4h00
